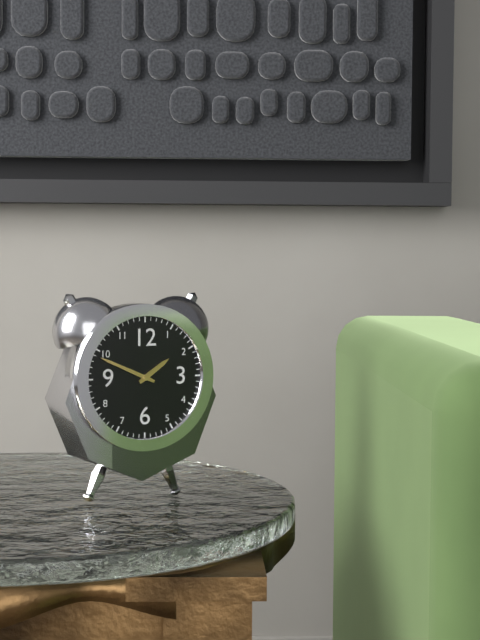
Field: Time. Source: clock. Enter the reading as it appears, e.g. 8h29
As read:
1h49
